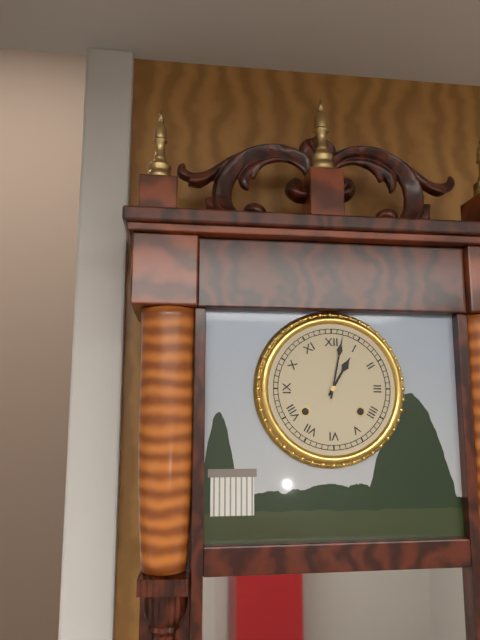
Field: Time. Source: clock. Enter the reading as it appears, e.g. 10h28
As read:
1h02
